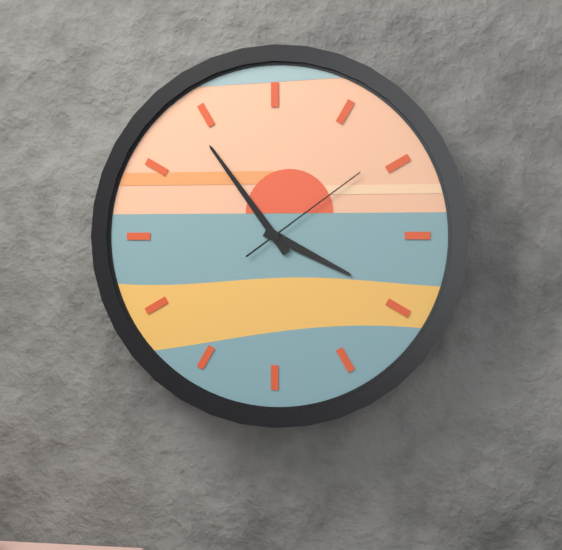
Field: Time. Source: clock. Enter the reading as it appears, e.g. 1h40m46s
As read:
3h54m09s
